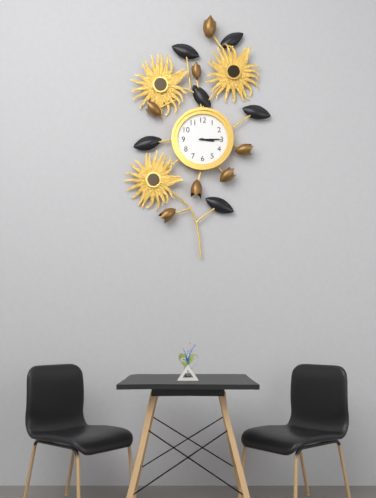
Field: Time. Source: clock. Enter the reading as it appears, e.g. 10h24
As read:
3h15
